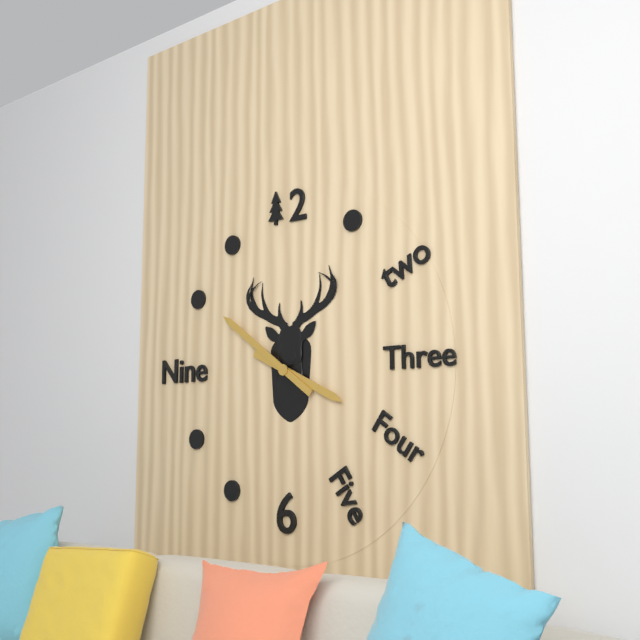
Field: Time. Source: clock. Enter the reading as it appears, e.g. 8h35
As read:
3h51
